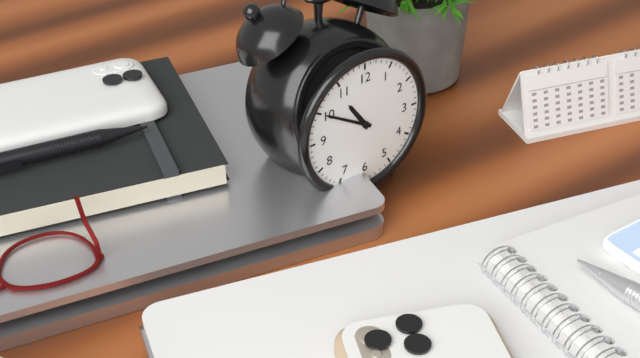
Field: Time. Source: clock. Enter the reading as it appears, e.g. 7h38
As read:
10h50
